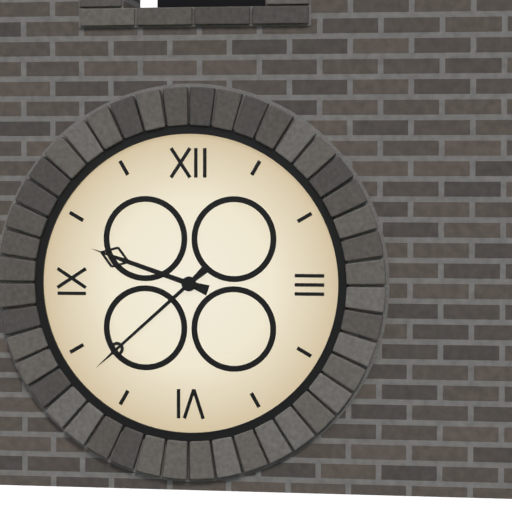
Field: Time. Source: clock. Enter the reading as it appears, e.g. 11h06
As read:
9h38
